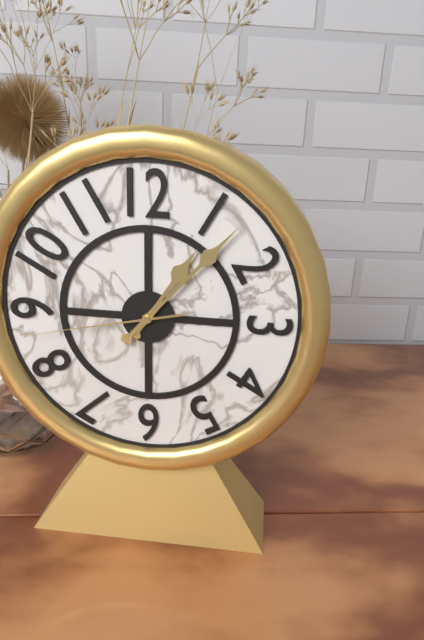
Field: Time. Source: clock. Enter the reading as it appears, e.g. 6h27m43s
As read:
1h07m43s
